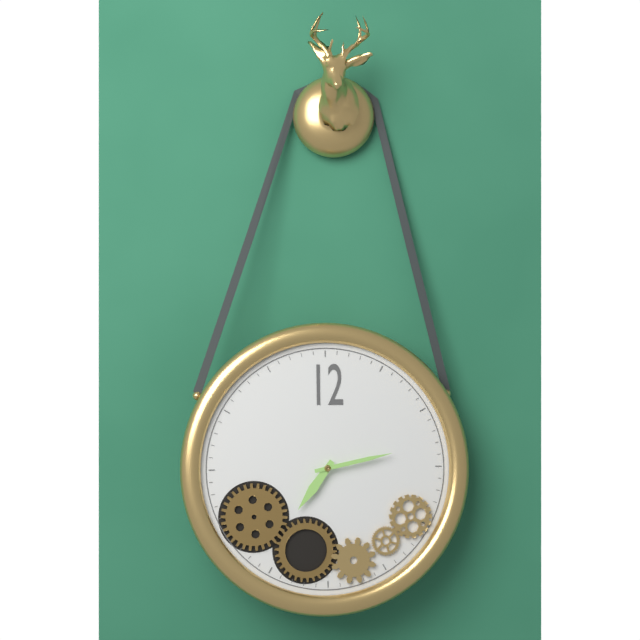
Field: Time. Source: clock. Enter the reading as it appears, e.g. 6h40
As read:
7h13
